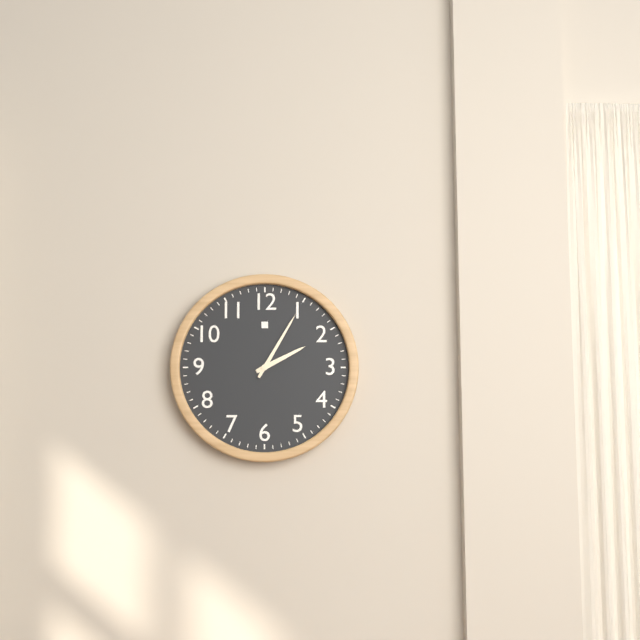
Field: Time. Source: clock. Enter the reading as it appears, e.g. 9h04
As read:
2h05
